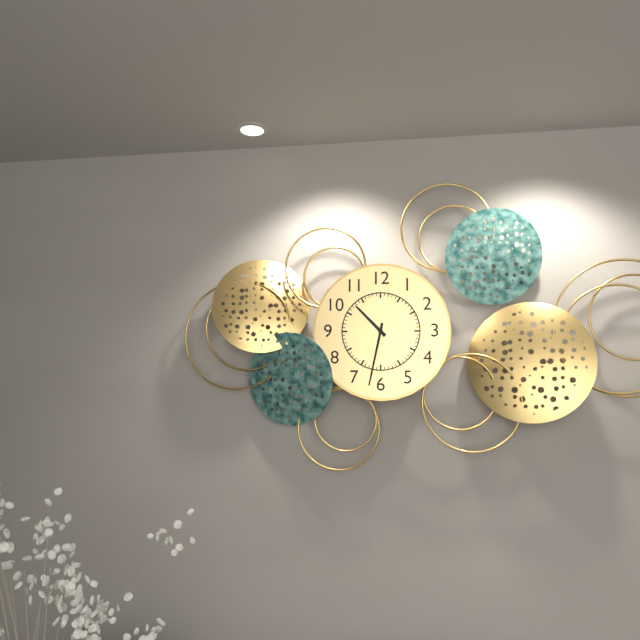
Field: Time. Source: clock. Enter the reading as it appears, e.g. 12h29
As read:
10h32
